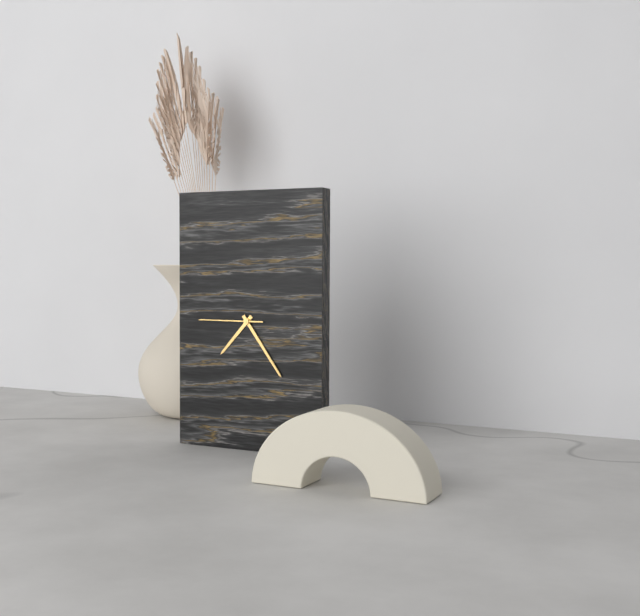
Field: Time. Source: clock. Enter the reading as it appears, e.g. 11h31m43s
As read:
7h24m45s
